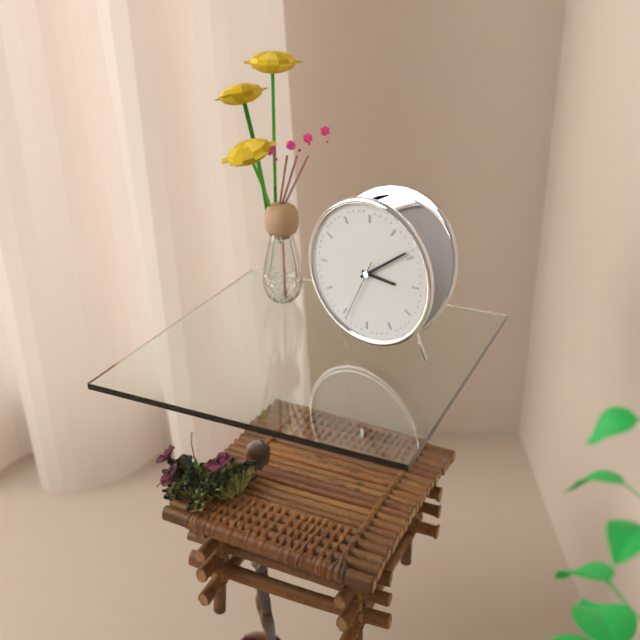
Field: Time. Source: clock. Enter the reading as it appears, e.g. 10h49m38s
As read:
3h09m34s
